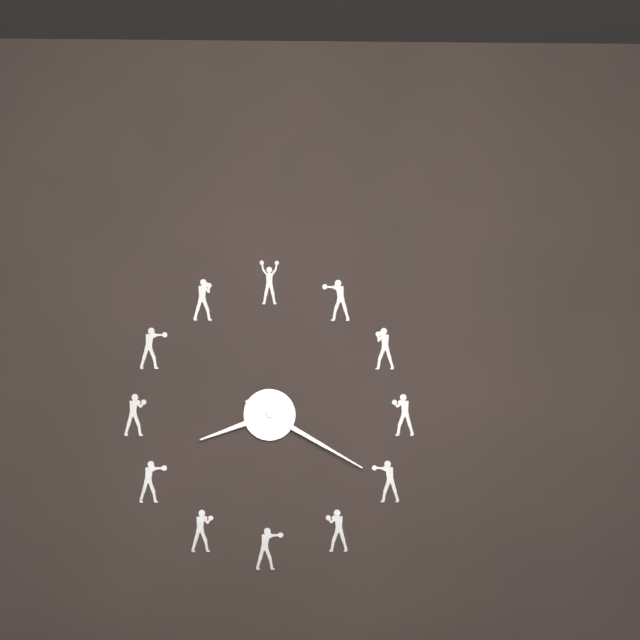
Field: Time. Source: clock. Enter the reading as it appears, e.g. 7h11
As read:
8h20
